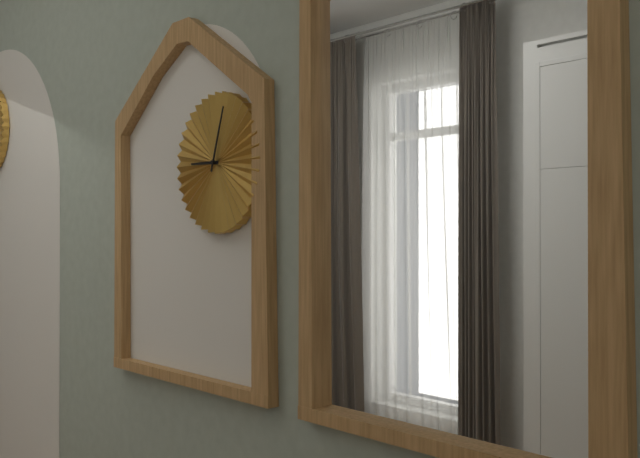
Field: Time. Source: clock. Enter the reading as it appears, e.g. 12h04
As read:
9h03
